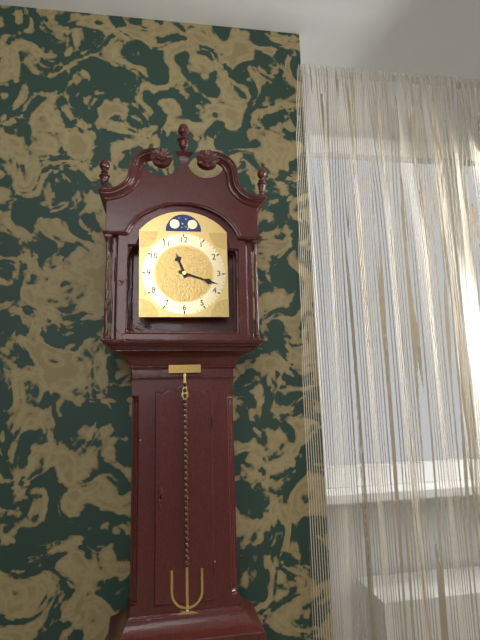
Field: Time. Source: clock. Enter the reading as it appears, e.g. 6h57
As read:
11h18
